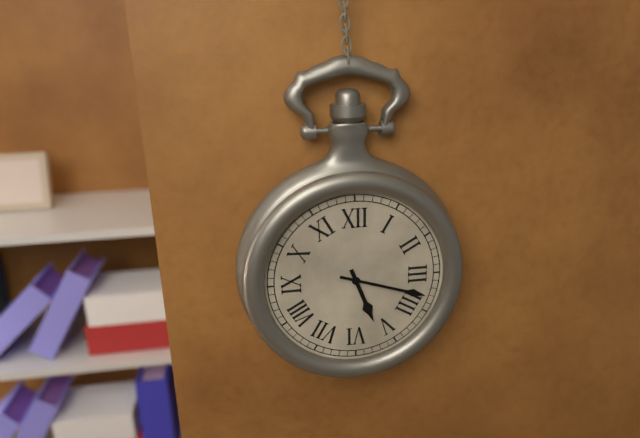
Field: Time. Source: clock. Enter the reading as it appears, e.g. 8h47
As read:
5h18
